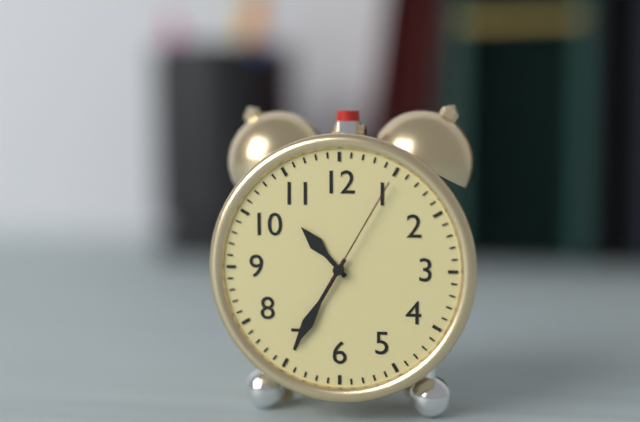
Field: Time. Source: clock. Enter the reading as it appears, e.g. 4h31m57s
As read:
10h35m05s
